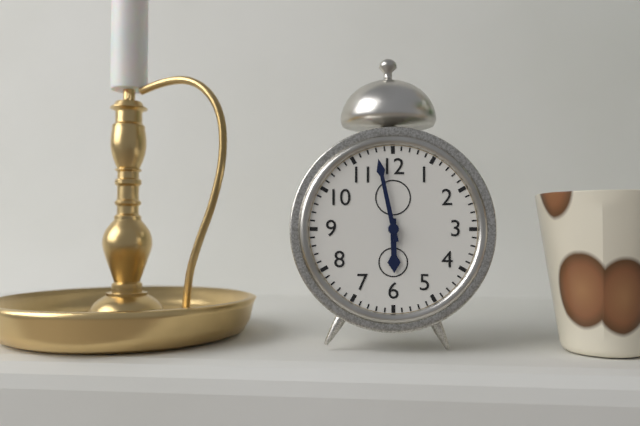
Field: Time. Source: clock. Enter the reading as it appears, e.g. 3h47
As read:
5h58
